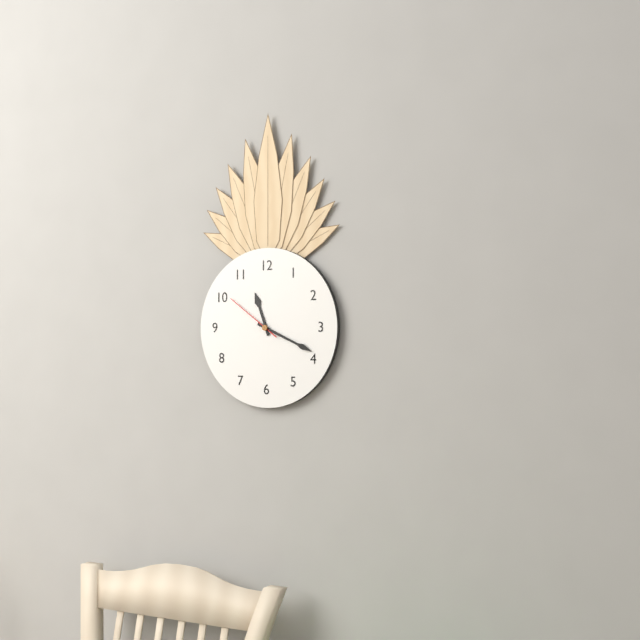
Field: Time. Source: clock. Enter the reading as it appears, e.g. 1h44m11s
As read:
11h19m51s
